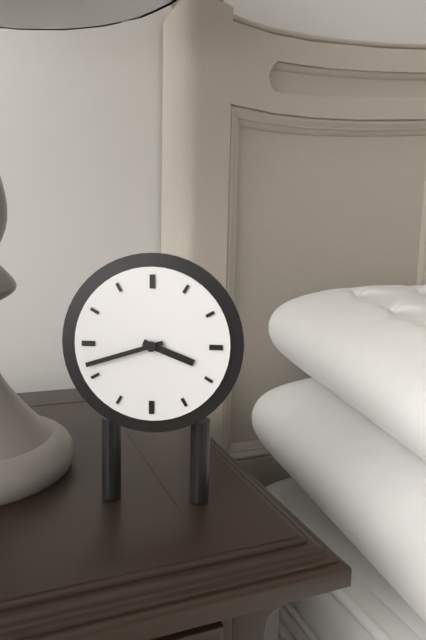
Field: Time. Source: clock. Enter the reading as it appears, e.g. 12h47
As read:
3h42
